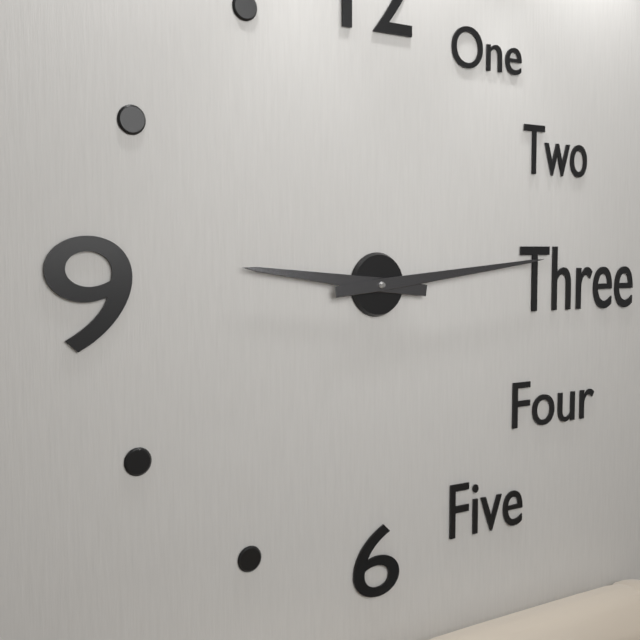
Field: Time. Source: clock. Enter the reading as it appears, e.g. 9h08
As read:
9h14
